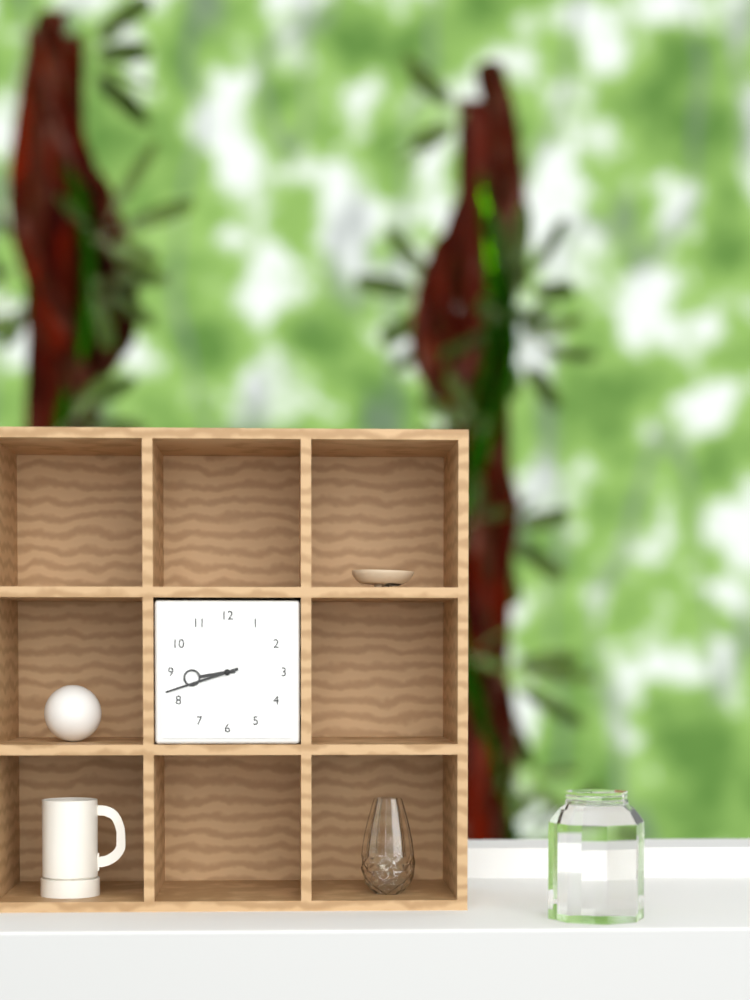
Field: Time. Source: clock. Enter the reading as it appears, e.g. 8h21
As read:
8h42
